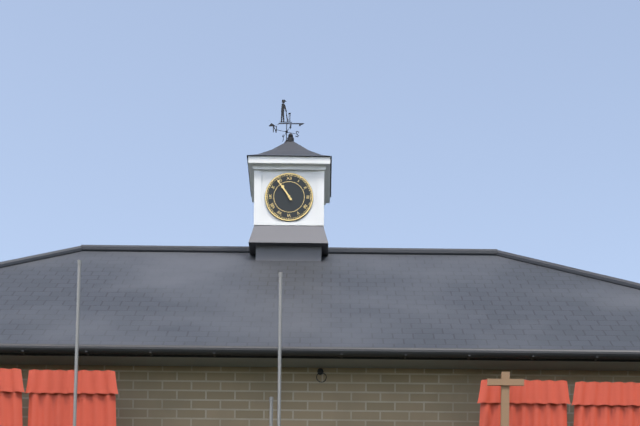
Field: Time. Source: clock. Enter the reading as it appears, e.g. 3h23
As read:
10h54
